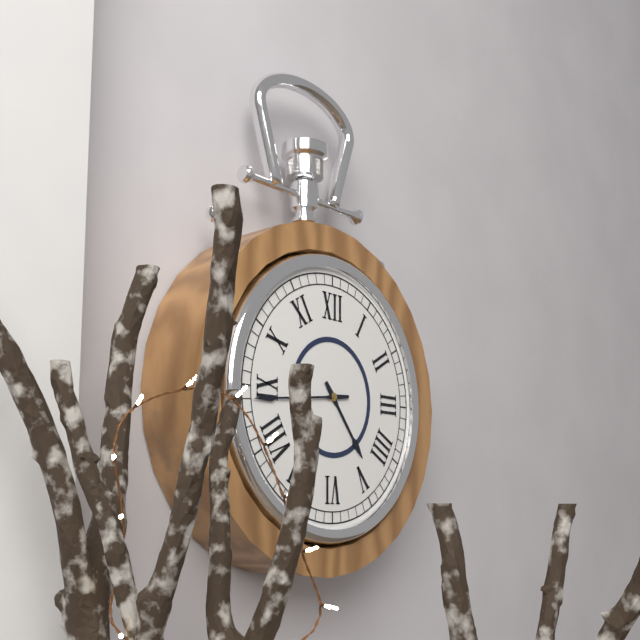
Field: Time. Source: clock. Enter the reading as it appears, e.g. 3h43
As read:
4h44
